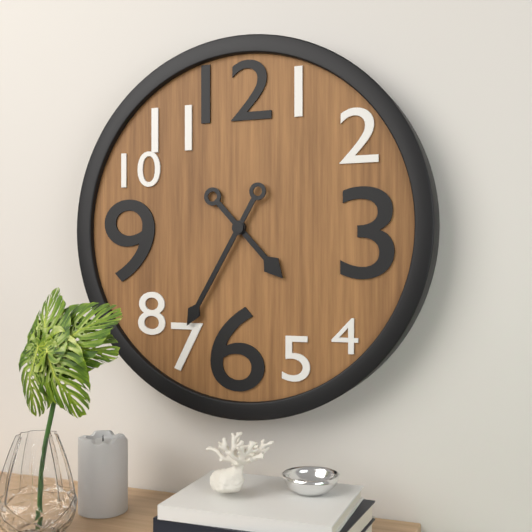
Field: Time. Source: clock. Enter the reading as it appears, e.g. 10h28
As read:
4h35
